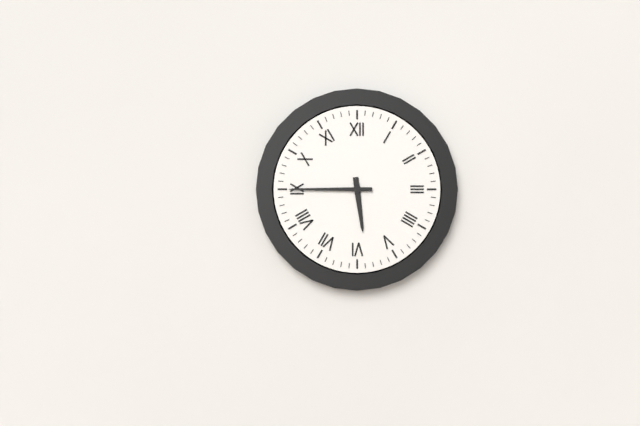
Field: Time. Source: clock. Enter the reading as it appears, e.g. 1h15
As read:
5h45
